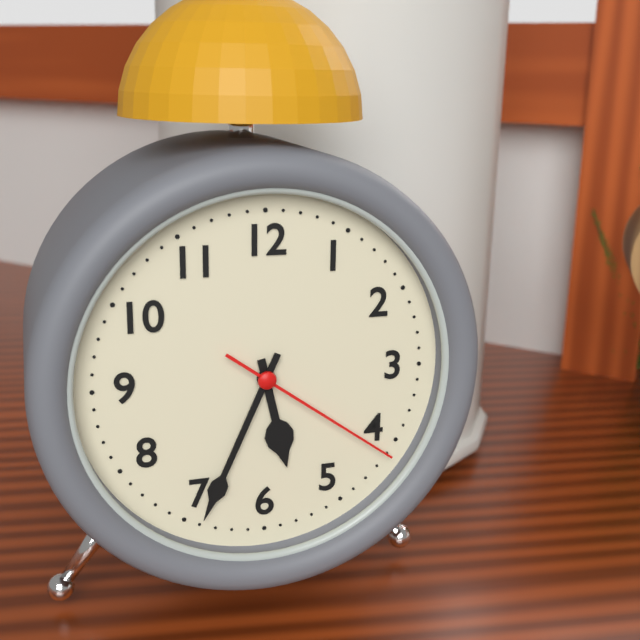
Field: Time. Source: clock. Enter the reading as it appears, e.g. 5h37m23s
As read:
5h34m21s
